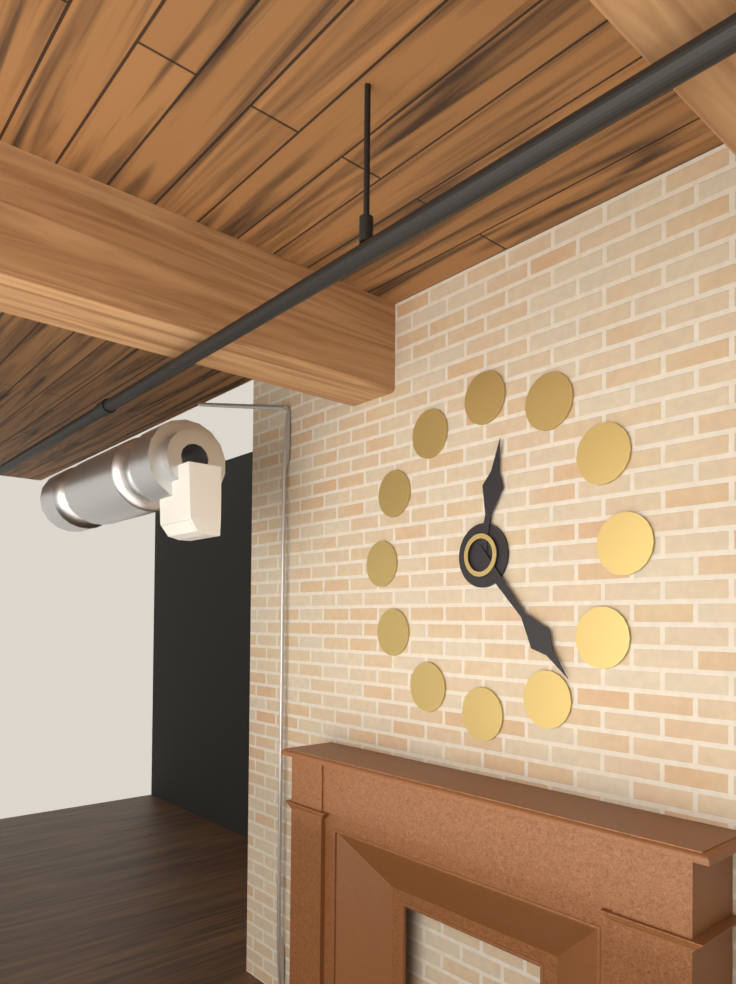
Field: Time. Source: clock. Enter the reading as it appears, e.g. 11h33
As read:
12h23
